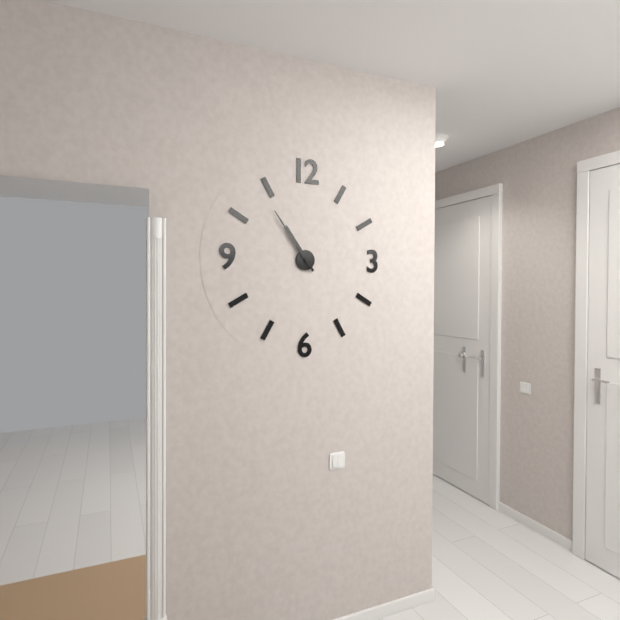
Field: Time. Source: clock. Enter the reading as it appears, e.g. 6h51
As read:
10h54
